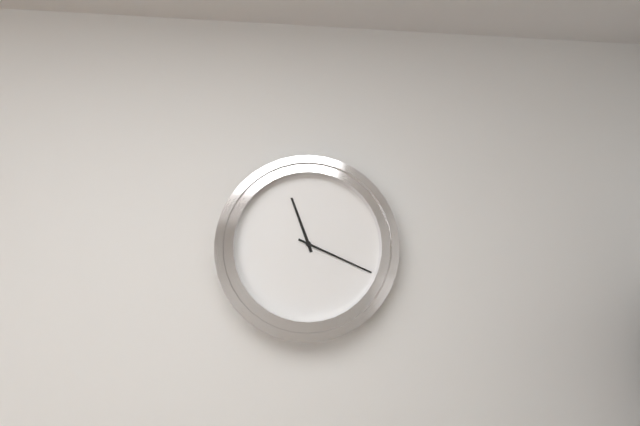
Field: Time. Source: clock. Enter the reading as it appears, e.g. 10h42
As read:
11h19
